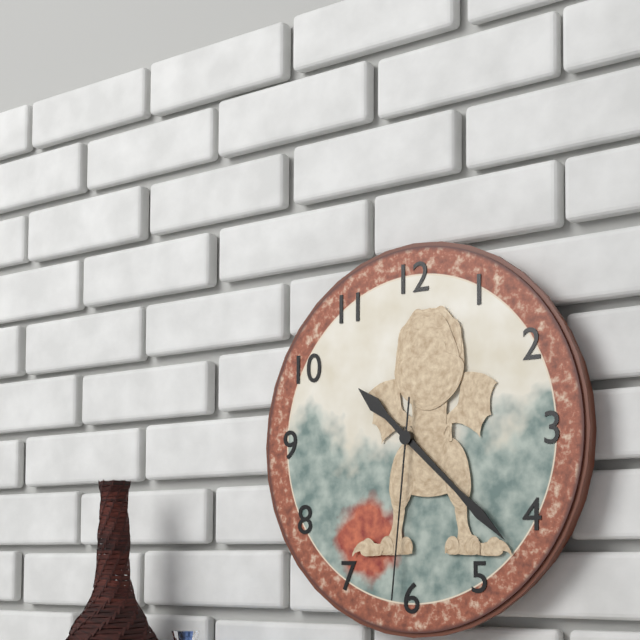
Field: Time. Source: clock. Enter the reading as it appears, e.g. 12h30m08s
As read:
10h22m31s
